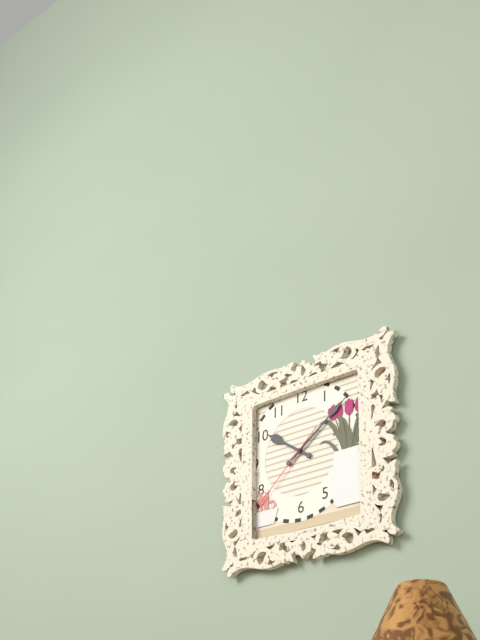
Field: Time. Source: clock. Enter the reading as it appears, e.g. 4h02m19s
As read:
10h09m38s
